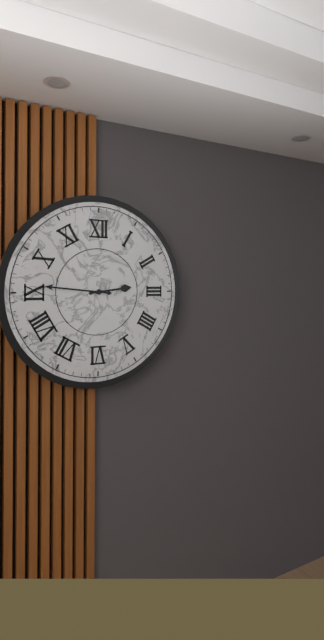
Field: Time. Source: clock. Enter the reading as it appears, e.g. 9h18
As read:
2h46
